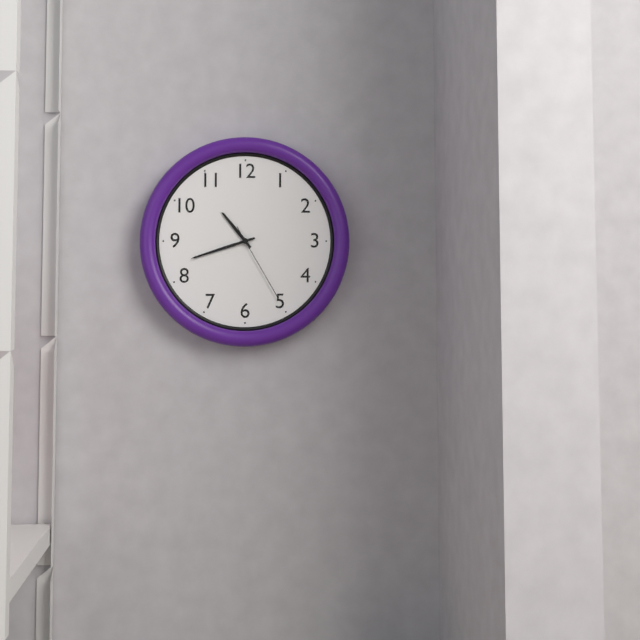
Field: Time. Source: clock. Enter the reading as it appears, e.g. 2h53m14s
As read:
10h42m25s
